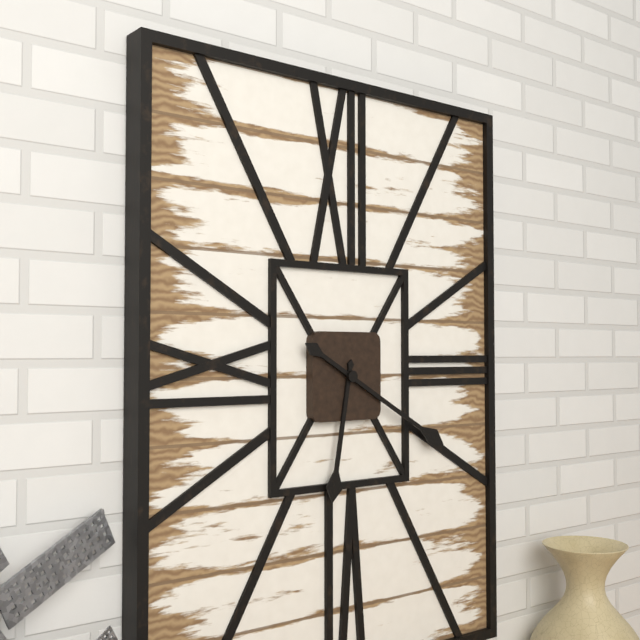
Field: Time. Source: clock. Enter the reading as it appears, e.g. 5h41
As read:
6h20
